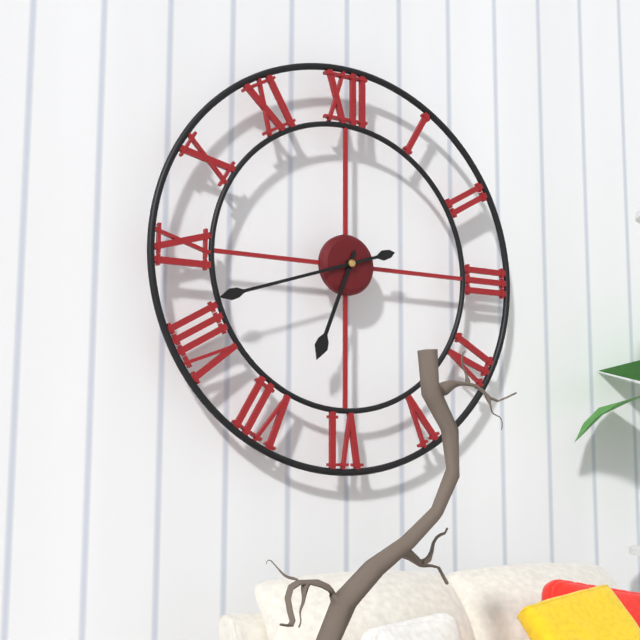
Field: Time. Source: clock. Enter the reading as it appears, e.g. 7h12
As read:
6h42
